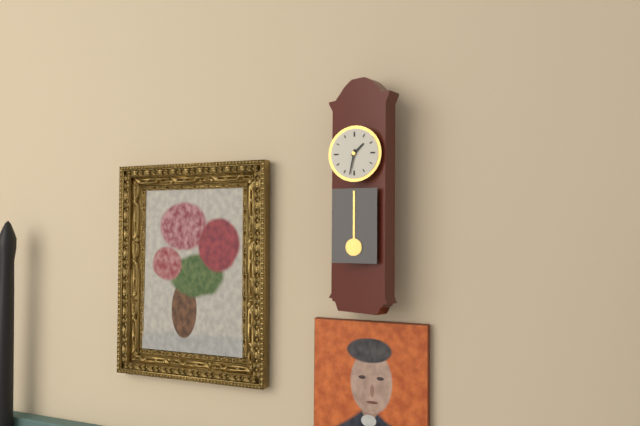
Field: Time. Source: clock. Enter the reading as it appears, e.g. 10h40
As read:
1h32
